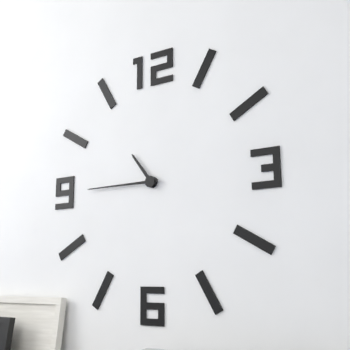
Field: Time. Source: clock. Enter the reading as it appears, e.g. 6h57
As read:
10h45
